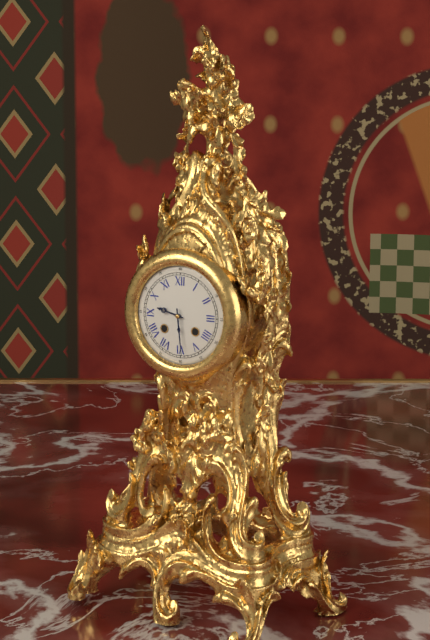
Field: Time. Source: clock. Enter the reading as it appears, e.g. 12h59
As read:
9h29
